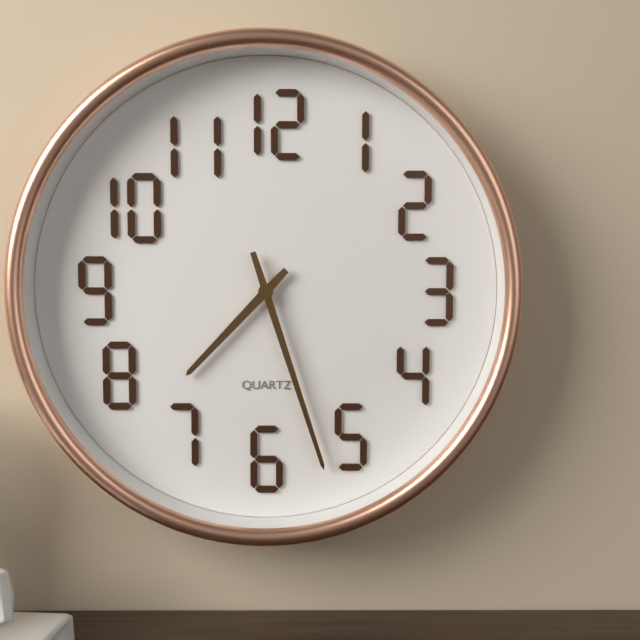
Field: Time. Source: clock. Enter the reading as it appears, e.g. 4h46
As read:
7h27
